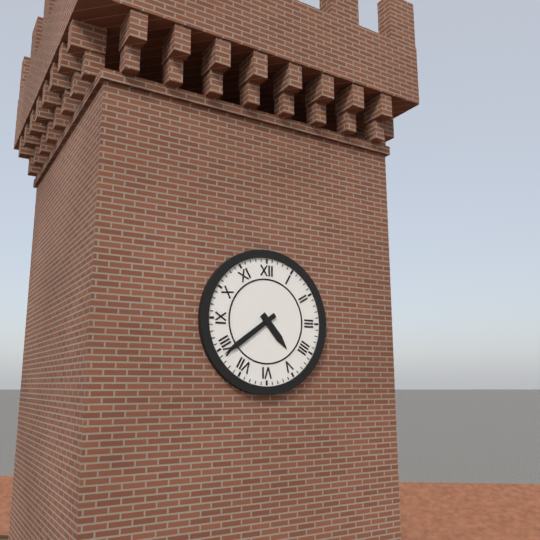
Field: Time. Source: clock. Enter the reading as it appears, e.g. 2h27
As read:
4h39
